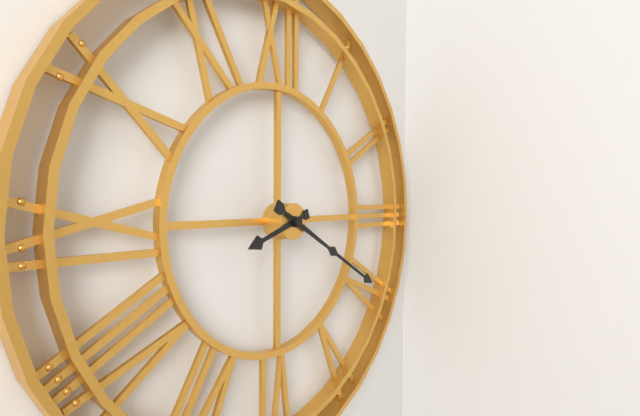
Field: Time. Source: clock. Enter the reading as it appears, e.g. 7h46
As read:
8h20
